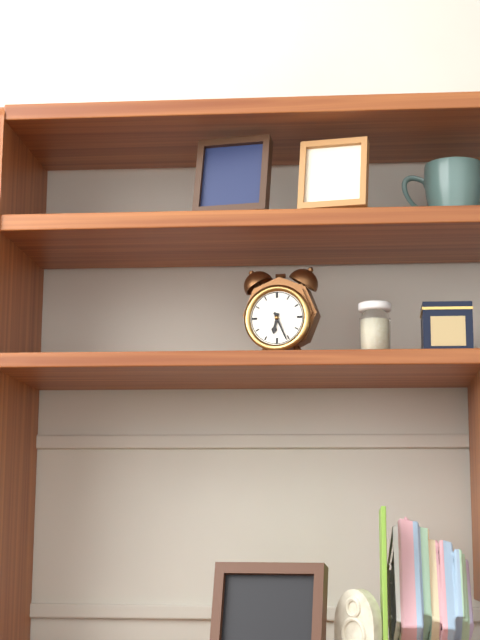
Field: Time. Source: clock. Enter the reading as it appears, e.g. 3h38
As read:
6h26
